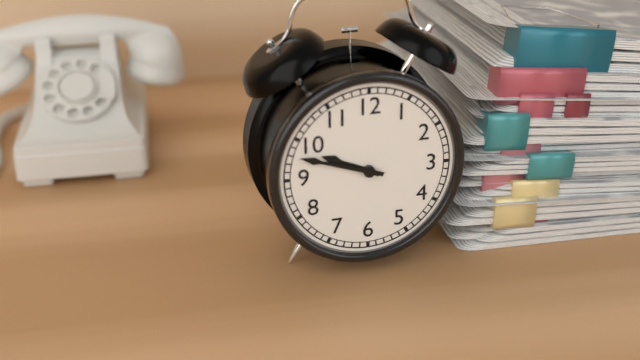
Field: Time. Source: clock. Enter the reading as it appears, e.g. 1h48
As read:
9h48
